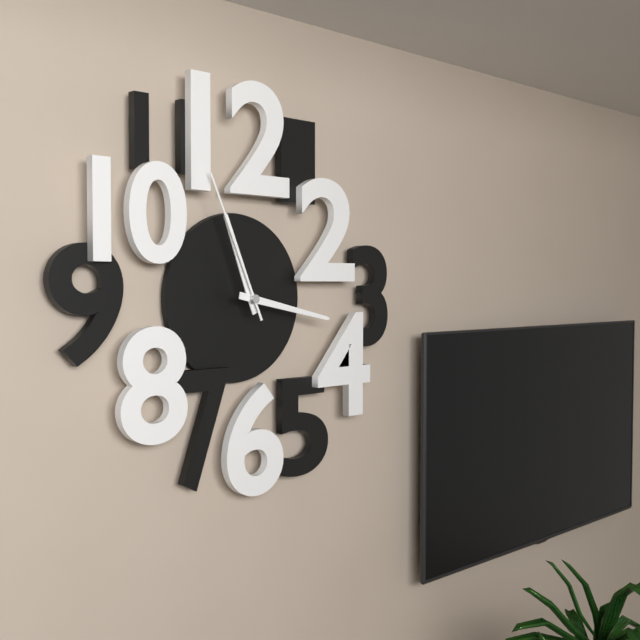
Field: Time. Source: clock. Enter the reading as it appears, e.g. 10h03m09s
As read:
11h17m56s
